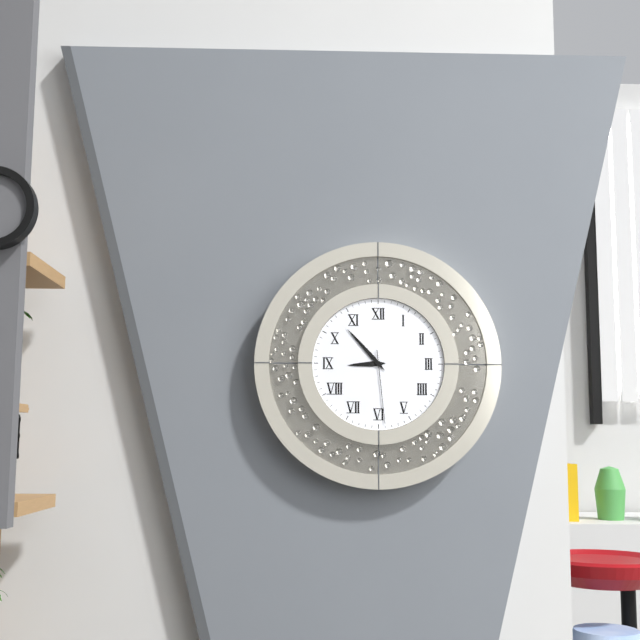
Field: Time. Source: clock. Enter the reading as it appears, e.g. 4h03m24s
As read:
8h53m29s
